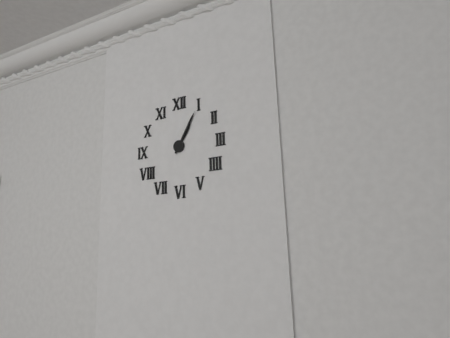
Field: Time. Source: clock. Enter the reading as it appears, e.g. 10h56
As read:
1h05
